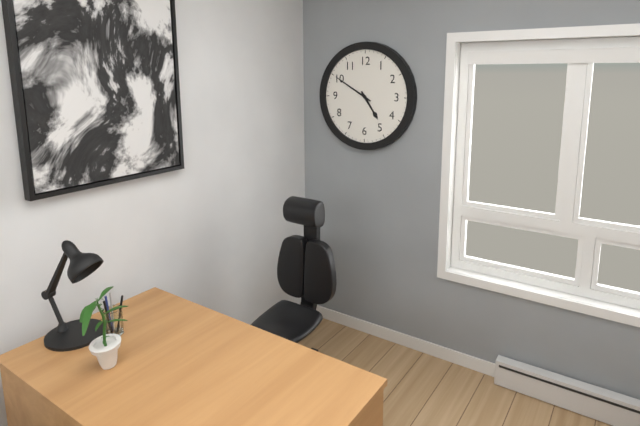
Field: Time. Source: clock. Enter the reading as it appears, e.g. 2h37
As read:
4h50
